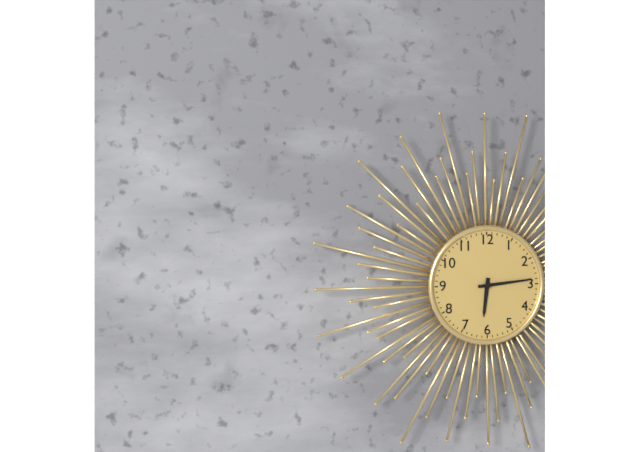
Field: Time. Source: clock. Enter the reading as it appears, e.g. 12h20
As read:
6h14
